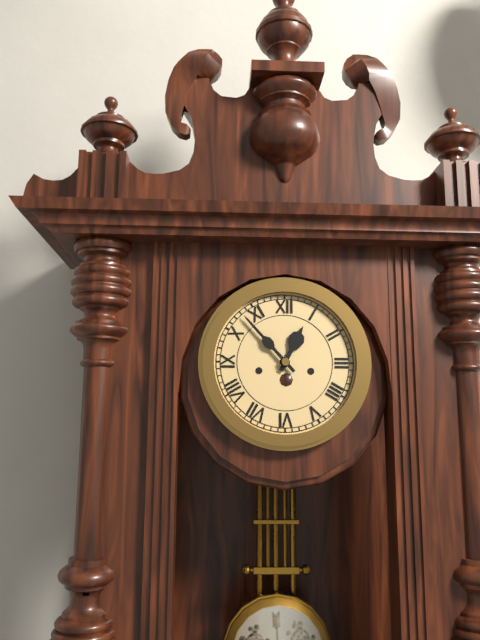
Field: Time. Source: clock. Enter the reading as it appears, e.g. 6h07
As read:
12h53
